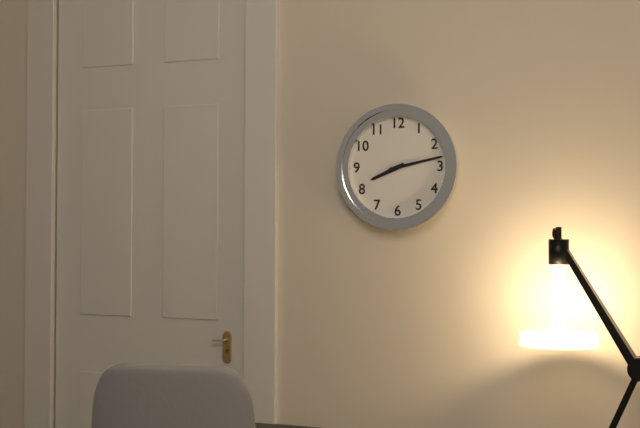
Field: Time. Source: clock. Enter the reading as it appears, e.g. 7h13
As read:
8h13
